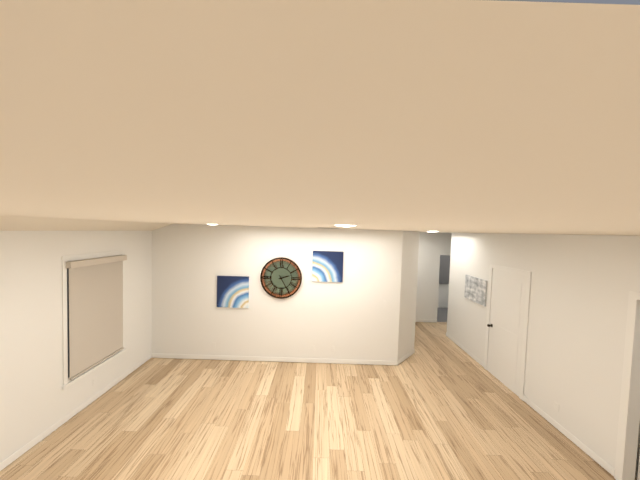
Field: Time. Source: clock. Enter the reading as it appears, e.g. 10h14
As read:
2h25
